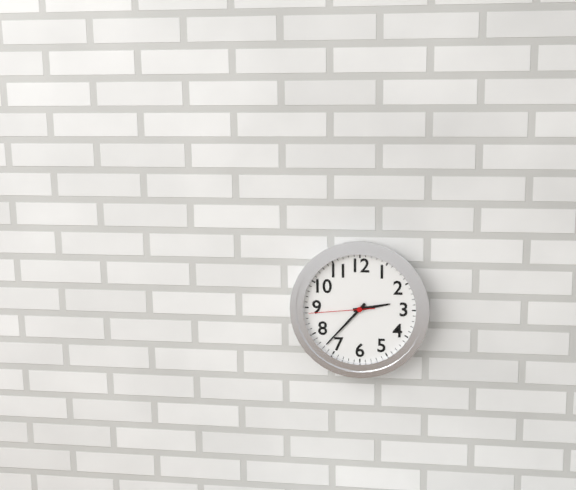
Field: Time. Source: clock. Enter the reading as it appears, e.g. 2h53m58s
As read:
2h37m44s
